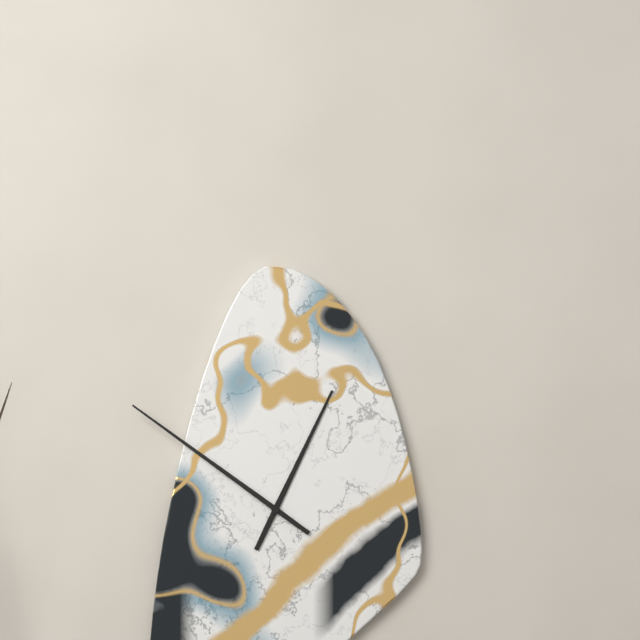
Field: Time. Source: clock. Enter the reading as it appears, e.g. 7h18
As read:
12h51
